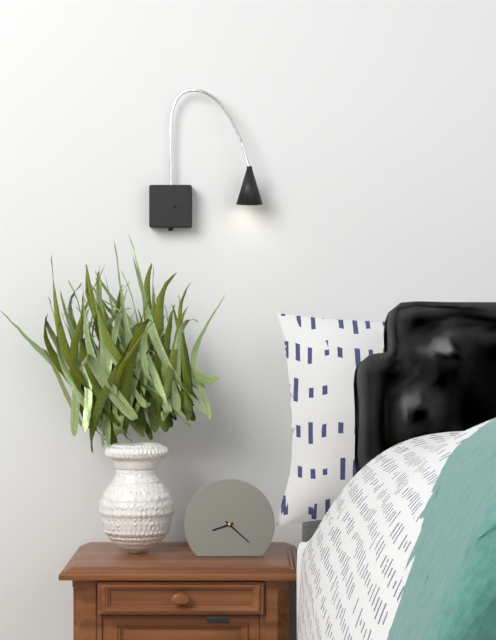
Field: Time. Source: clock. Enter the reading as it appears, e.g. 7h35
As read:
8h22
